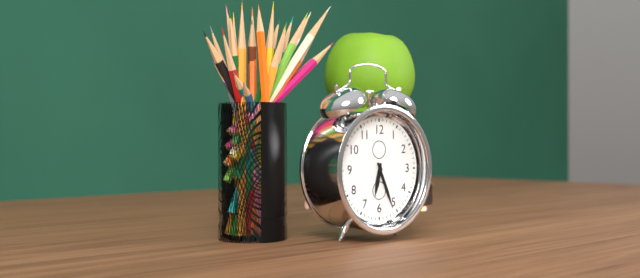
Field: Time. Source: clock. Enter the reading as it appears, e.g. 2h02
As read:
6h26
